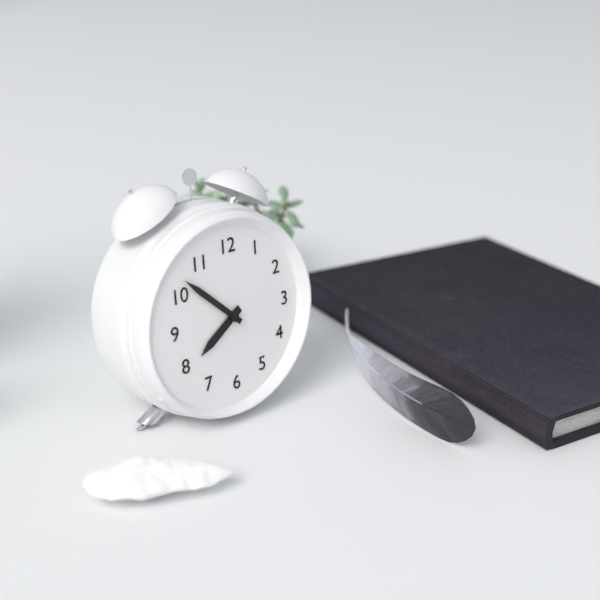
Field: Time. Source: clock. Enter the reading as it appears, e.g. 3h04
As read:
7h52
